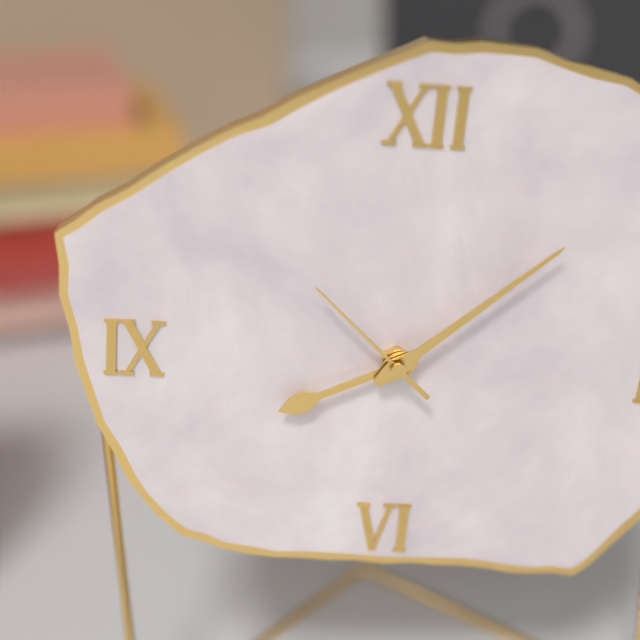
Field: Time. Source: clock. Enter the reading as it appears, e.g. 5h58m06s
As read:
8h08m52s
